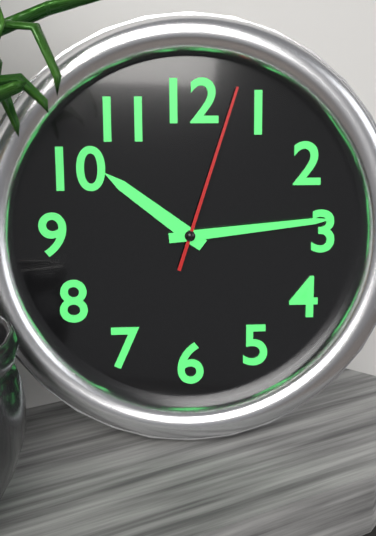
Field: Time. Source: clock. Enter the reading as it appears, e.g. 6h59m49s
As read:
10h14m03s
